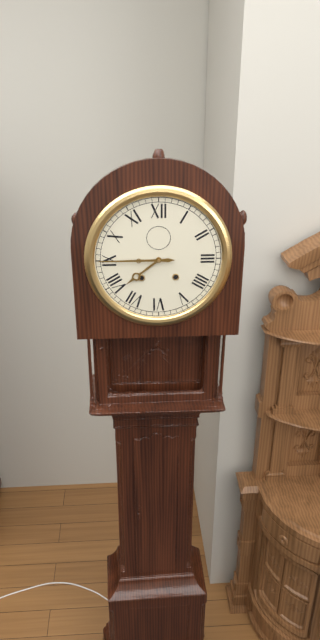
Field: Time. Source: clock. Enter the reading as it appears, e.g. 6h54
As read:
7h45
